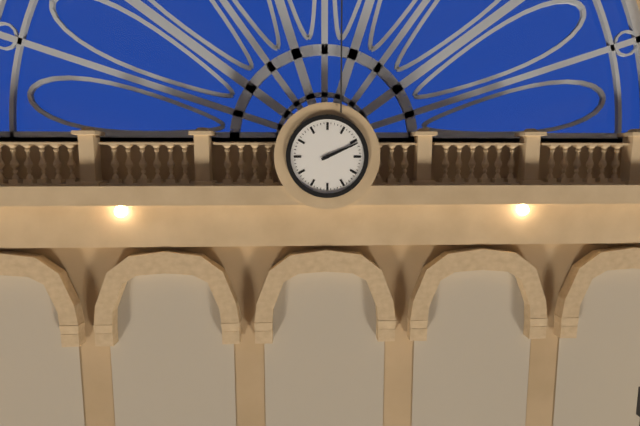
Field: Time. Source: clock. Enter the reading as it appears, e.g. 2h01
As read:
2h11
